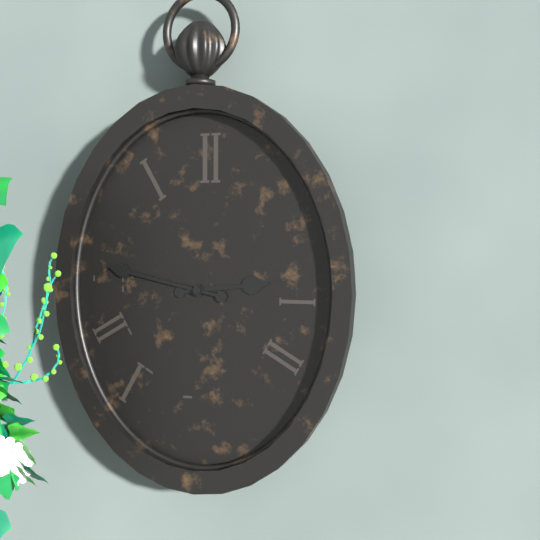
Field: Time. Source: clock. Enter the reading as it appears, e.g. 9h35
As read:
2h47
